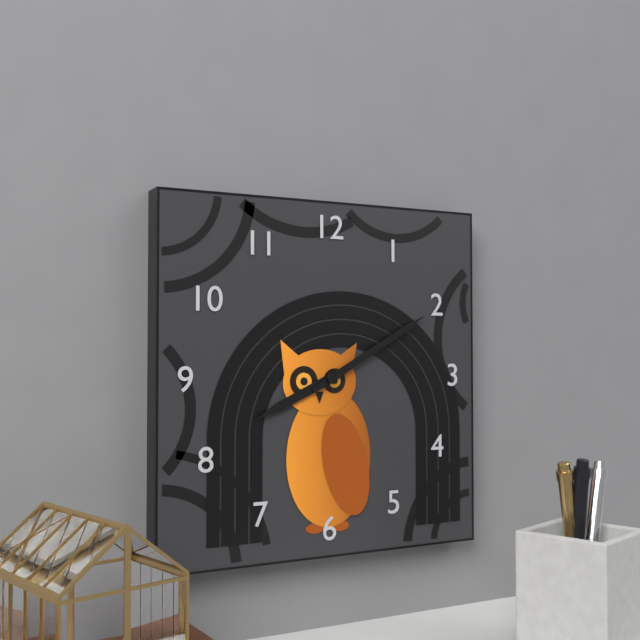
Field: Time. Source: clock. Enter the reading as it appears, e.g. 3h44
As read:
8h10
